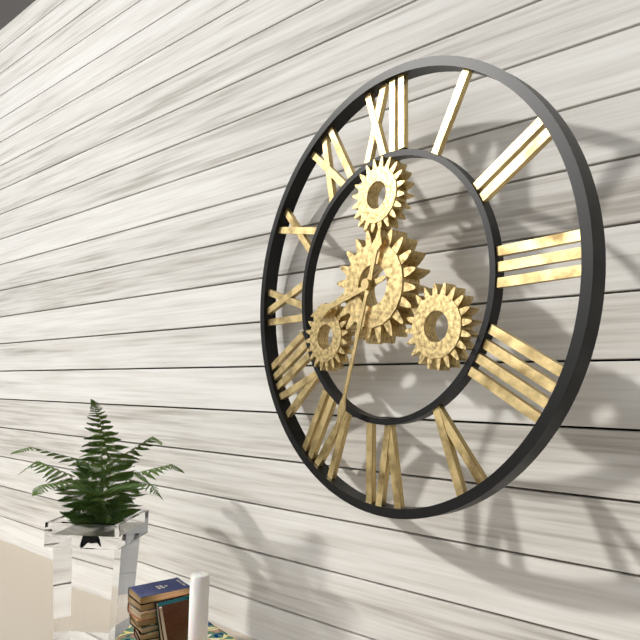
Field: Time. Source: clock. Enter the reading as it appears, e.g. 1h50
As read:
8h33
